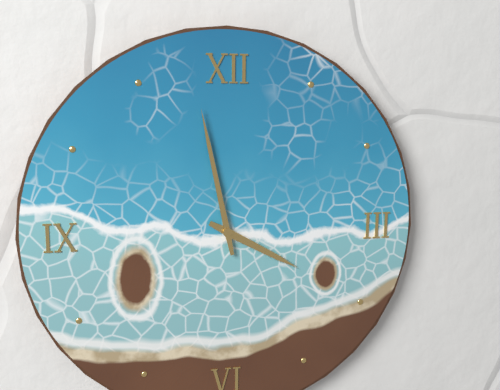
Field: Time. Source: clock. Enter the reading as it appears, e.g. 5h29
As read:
3h58
